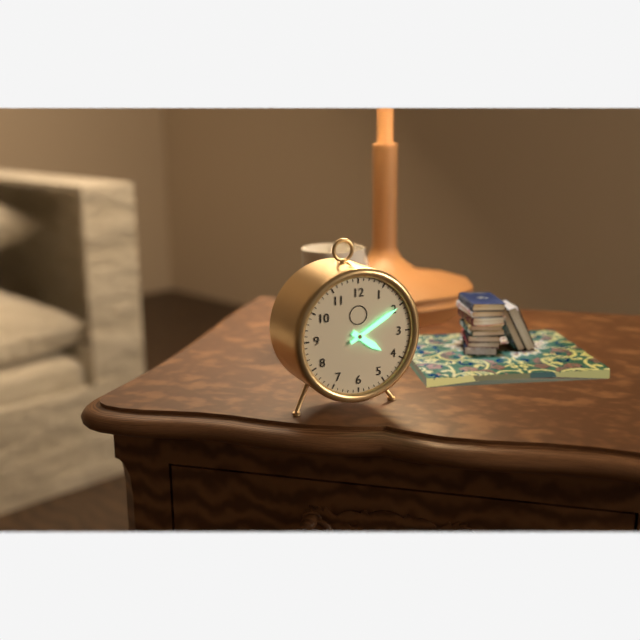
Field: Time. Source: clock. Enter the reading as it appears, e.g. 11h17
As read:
4h10
